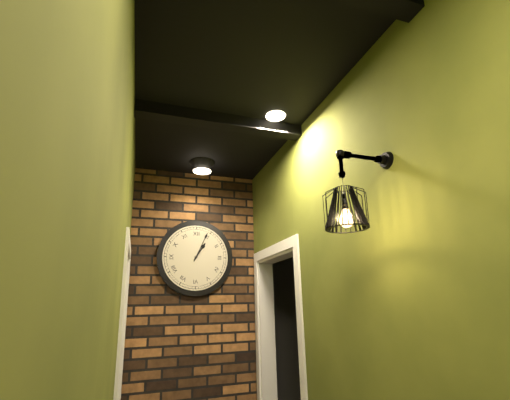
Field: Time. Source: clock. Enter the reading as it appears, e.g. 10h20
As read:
1h04
